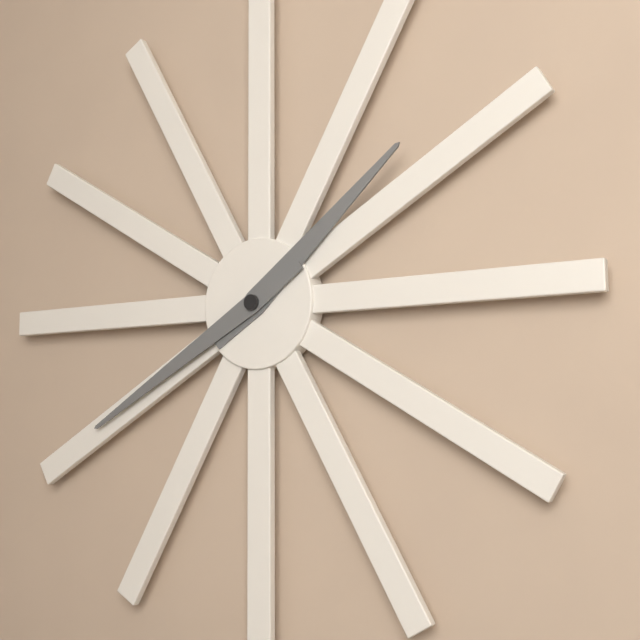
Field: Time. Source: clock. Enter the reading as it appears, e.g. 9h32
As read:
1h40
